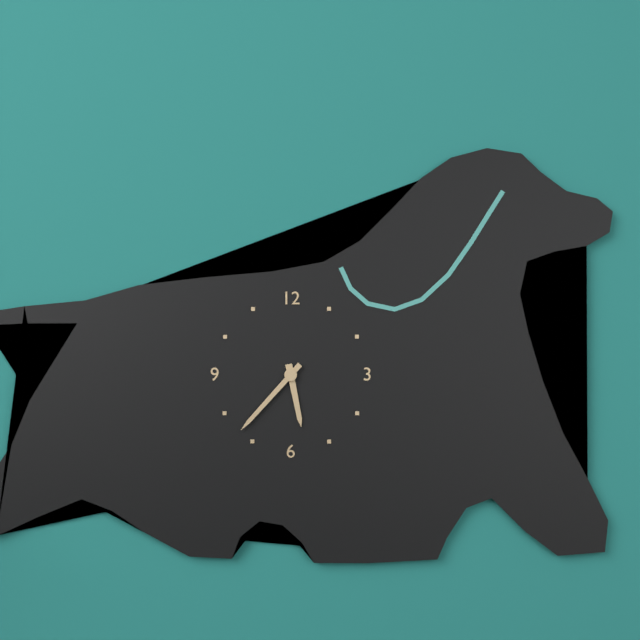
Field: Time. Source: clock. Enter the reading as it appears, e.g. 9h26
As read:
5h37
